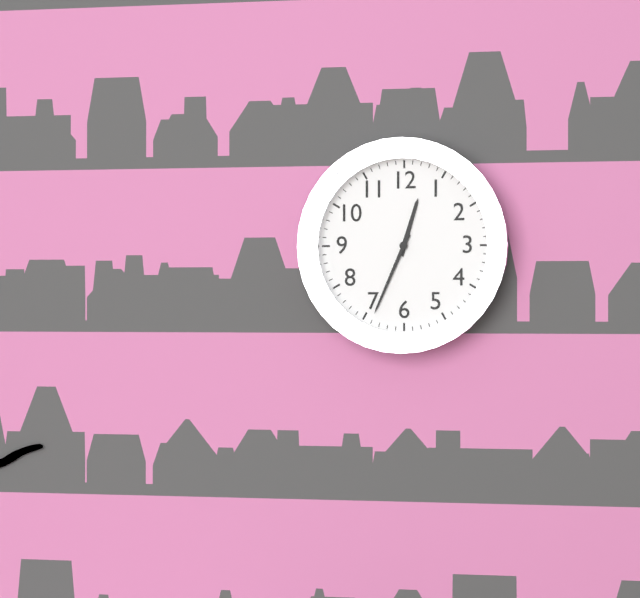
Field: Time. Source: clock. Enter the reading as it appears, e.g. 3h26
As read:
12h34
